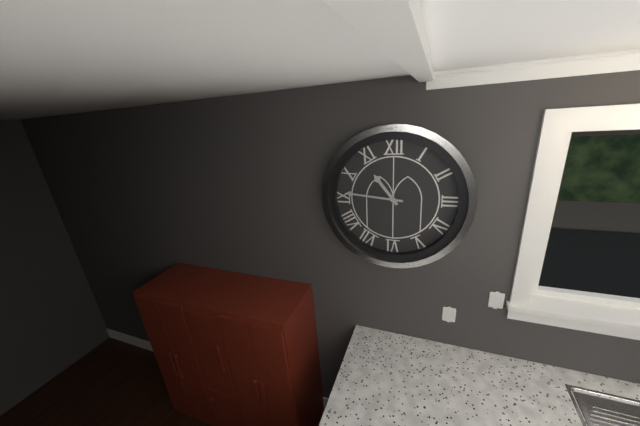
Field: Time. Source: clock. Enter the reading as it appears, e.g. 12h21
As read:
10h46
